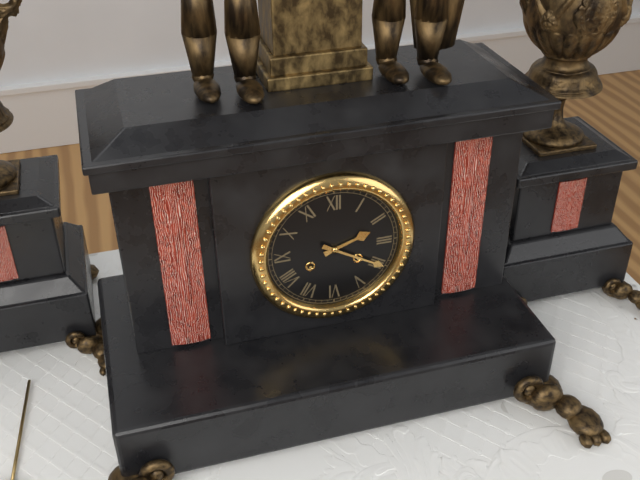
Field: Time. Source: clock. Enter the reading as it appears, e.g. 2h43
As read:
2h20
